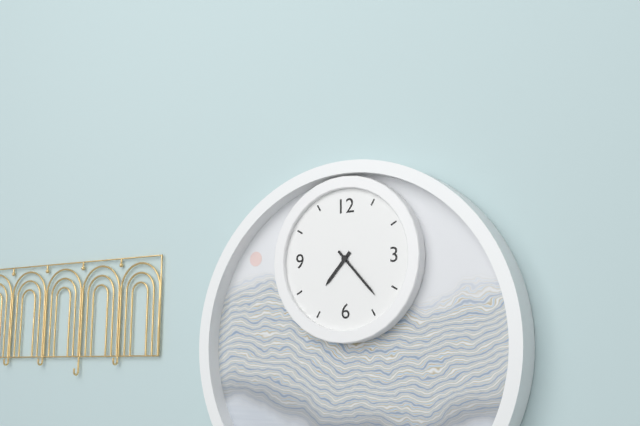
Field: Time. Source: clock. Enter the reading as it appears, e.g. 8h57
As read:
7h23
